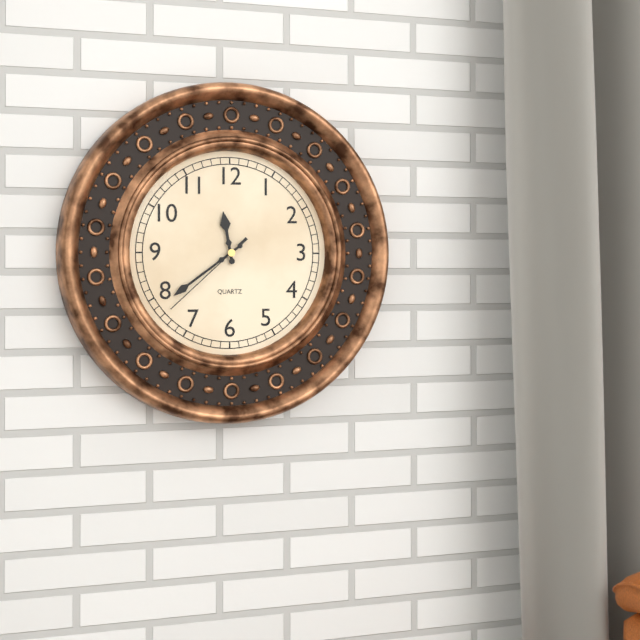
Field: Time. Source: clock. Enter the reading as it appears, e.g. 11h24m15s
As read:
11h39m38s
